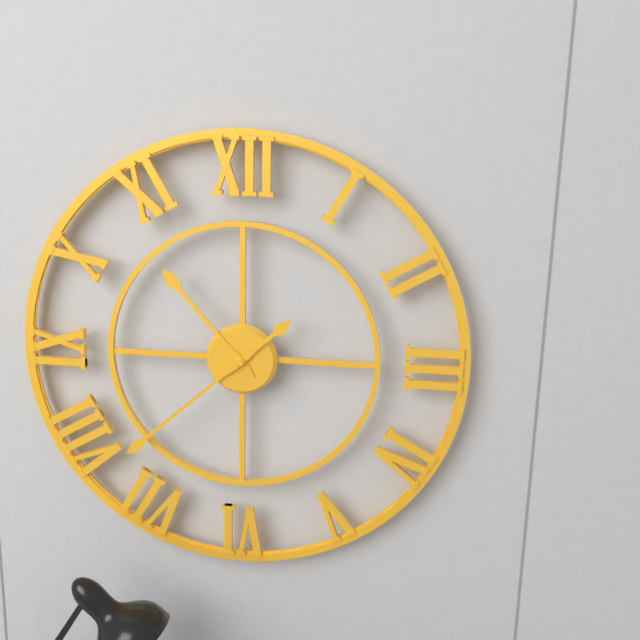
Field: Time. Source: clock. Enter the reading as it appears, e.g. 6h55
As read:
10h38
